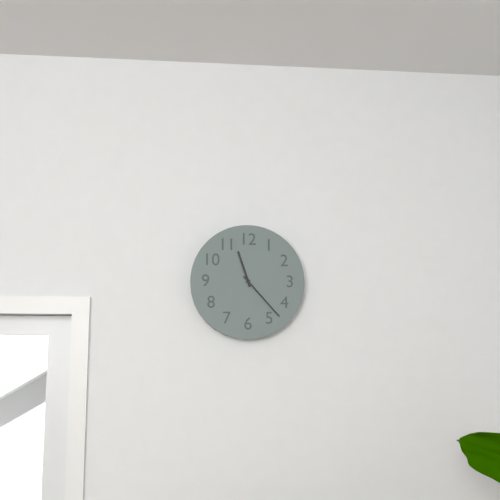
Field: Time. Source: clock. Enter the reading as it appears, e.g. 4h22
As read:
11h23
